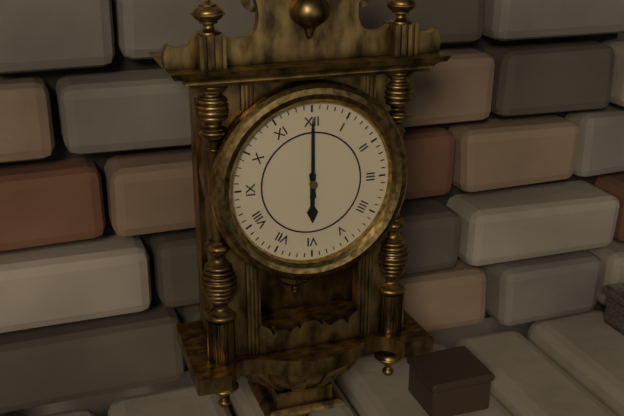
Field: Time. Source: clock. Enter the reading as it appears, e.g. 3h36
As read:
6h00
